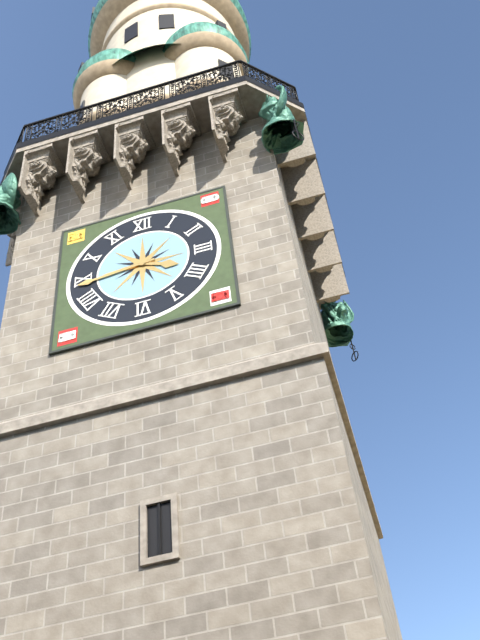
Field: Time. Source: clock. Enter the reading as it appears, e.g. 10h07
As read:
3h44
